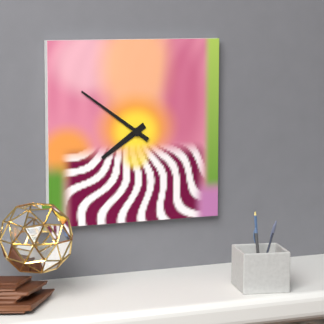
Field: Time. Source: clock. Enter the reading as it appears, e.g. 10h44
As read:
7h51
